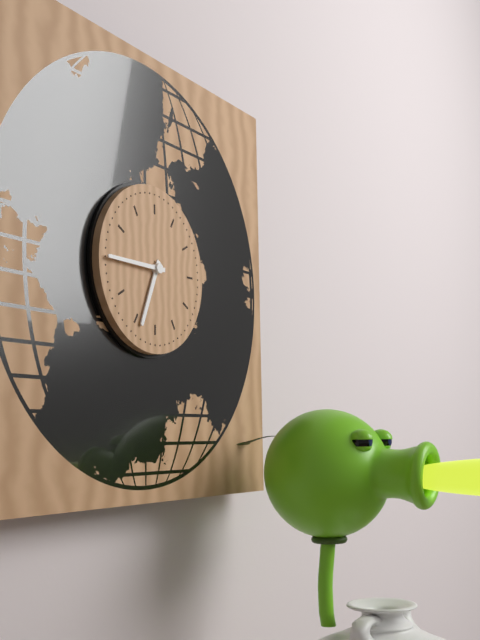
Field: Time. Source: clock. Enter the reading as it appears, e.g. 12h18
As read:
6h45
